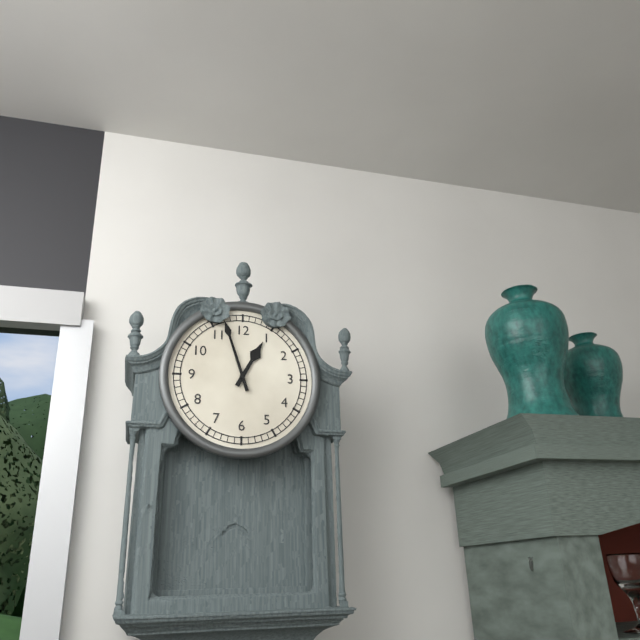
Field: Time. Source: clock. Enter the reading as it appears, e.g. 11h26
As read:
12h57
